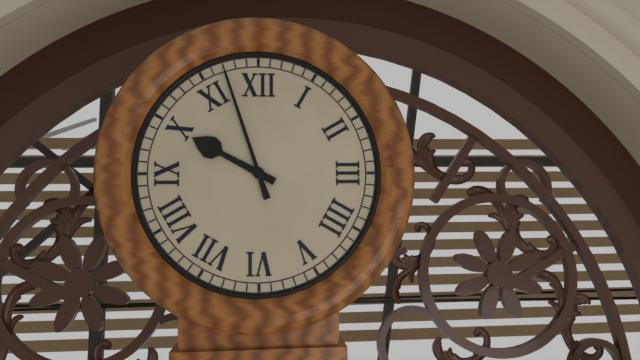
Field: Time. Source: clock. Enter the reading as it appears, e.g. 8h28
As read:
9h57
